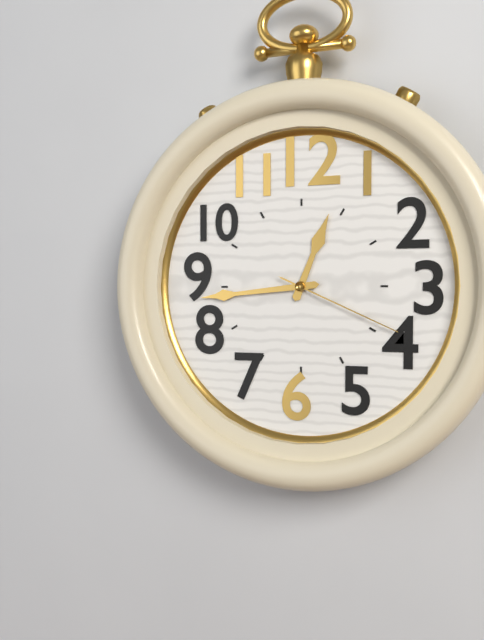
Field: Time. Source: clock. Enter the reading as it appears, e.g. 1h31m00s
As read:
12h44m19s
